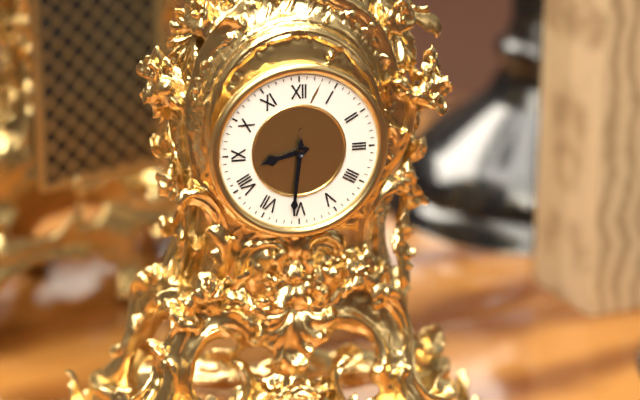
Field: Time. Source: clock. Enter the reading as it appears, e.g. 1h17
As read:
8h31
